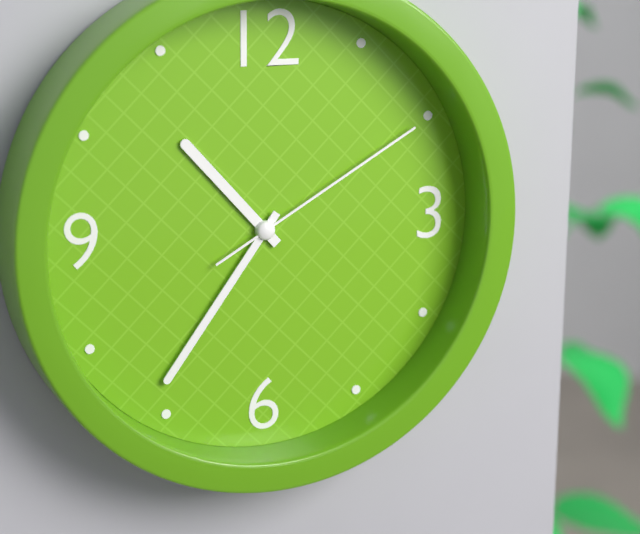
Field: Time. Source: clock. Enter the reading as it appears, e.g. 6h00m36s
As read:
10h36m10s
